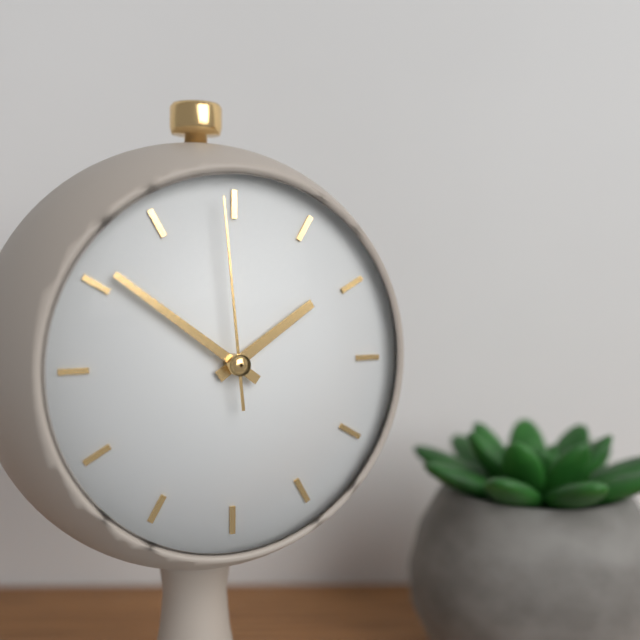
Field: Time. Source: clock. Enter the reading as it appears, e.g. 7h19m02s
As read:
1h51m59s
